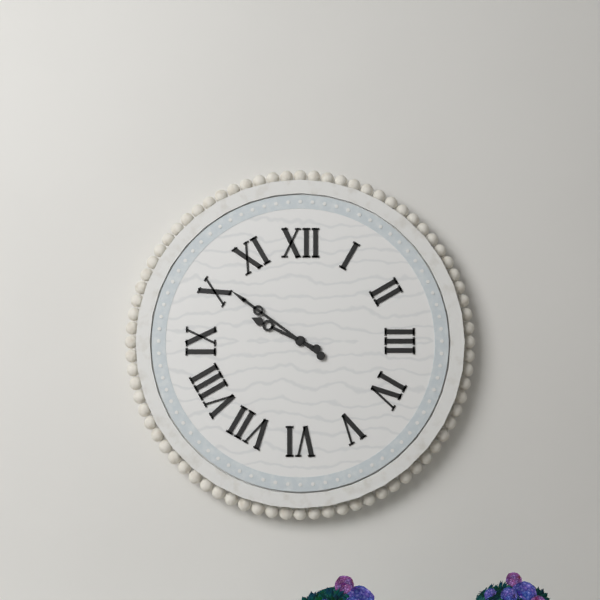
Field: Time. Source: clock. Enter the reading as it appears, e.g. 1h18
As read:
9h51
